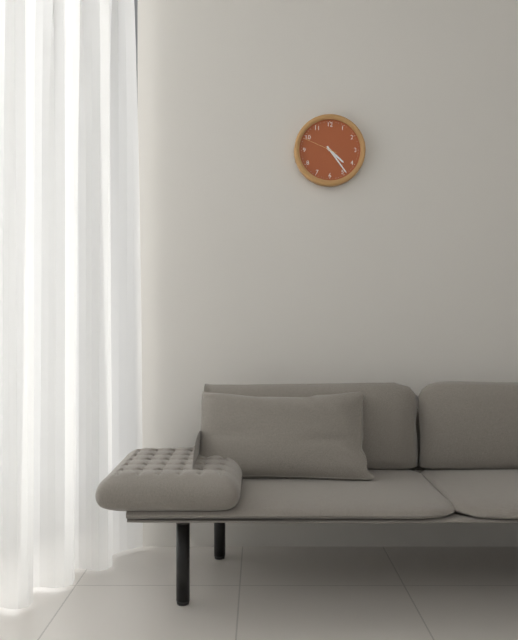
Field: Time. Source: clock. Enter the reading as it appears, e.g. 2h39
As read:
4h24
